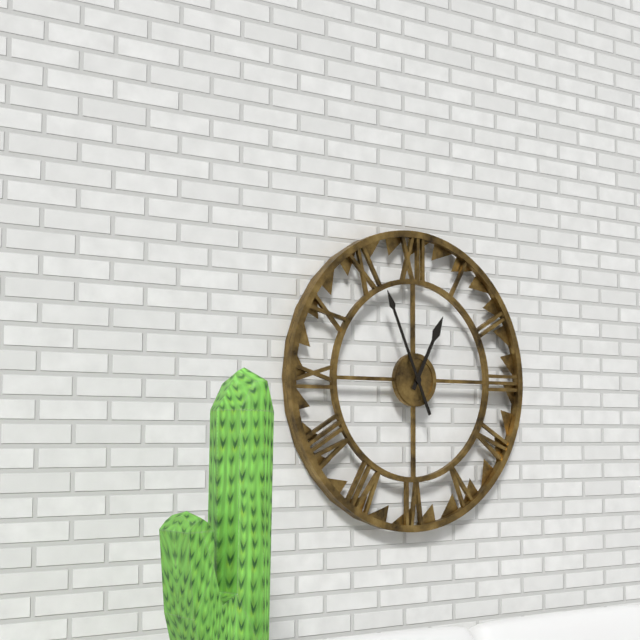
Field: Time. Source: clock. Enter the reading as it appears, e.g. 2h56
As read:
12h56
